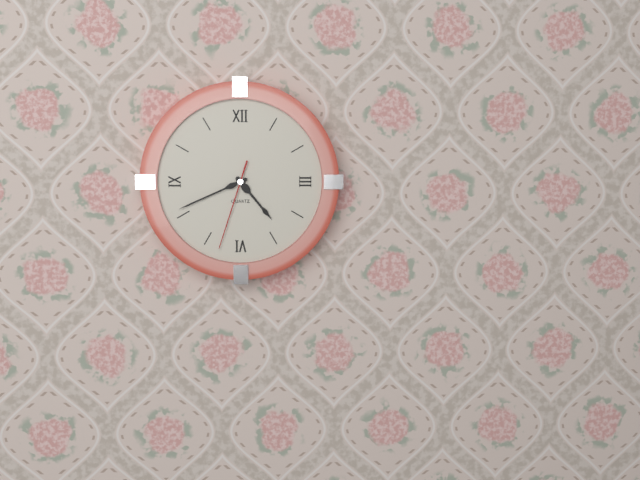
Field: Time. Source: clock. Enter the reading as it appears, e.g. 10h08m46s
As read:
4h41m33s
